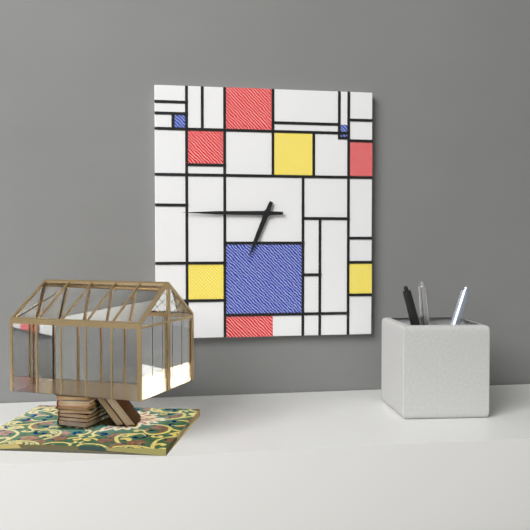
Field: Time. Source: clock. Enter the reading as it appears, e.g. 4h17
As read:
6h45
